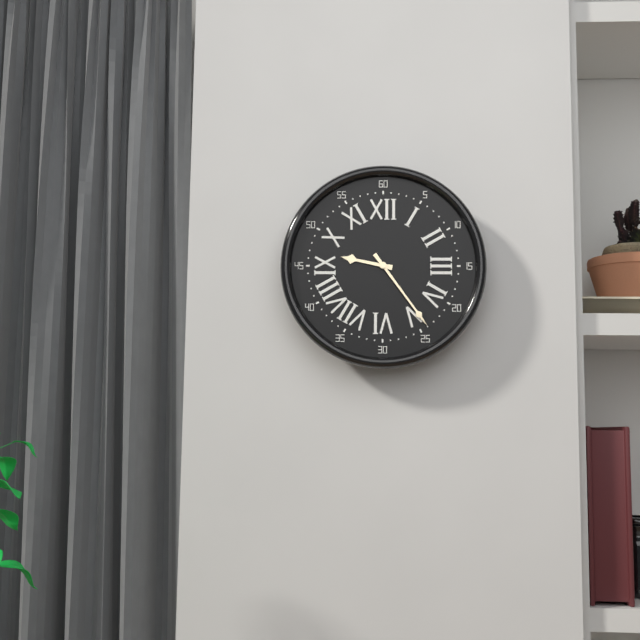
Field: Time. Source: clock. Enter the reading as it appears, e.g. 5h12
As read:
9h24
